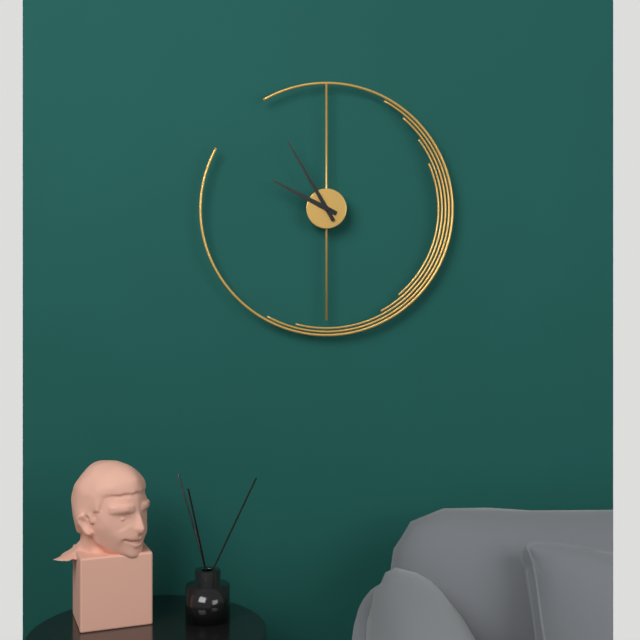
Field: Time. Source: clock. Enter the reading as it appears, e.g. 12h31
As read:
9h55
